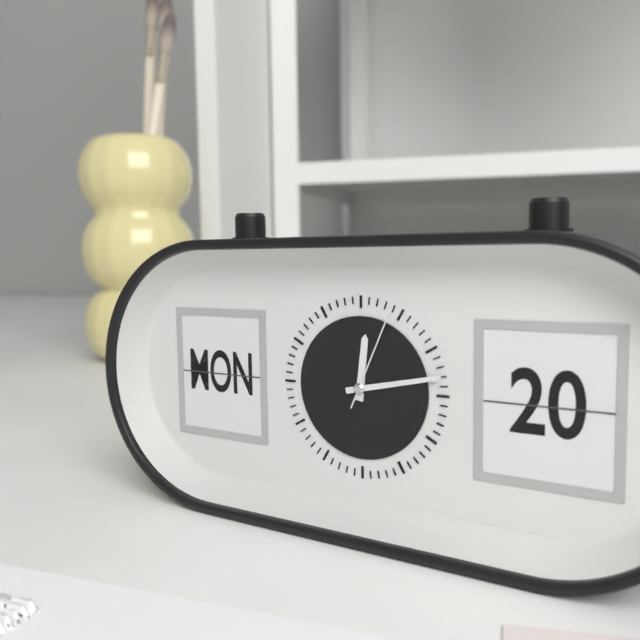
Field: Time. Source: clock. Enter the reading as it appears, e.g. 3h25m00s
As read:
12h13m04s
